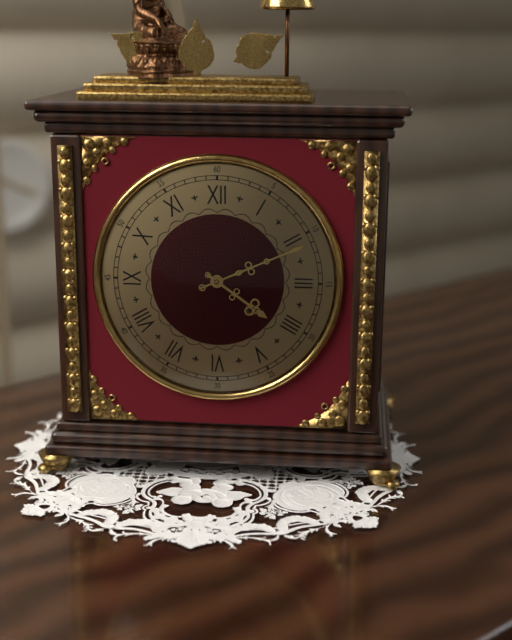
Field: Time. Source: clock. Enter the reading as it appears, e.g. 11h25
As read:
4h11
